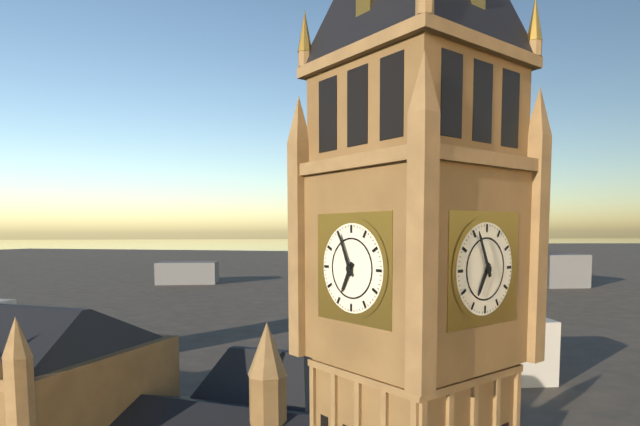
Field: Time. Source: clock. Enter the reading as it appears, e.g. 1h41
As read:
6h56
